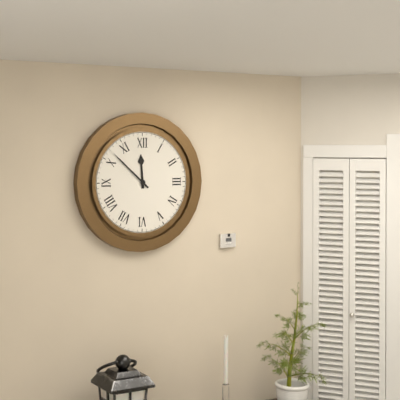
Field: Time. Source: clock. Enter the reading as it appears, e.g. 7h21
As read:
11h52
